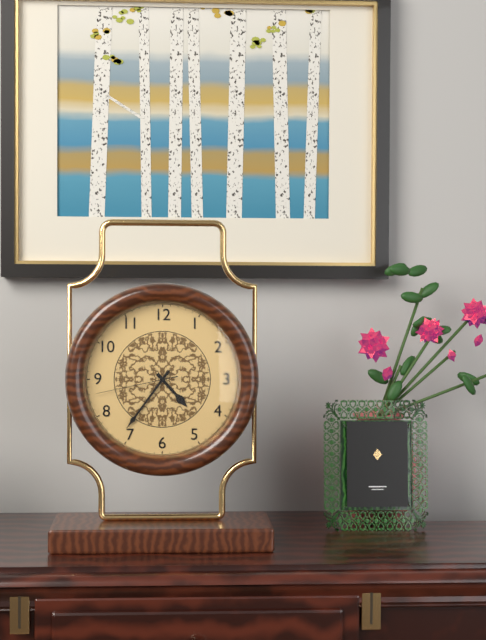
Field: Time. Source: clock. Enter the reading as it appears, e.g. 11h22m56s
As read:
4h36m43s
